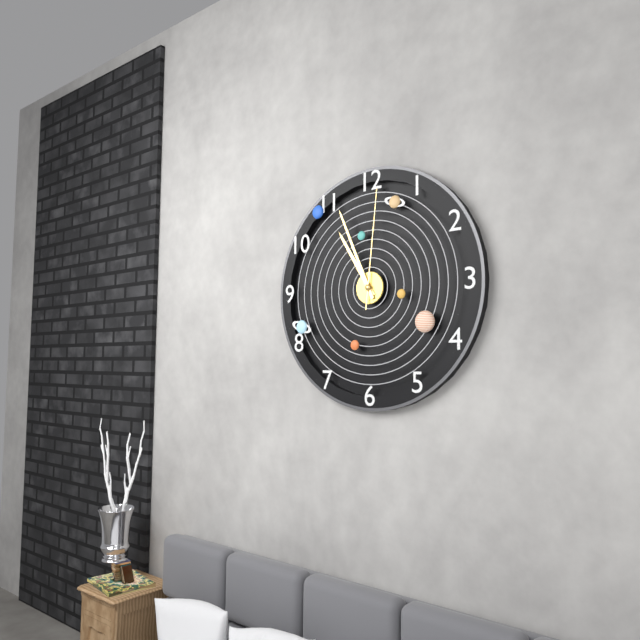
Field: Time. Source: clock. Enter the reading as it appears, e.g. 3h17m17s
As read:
10h56m01s
